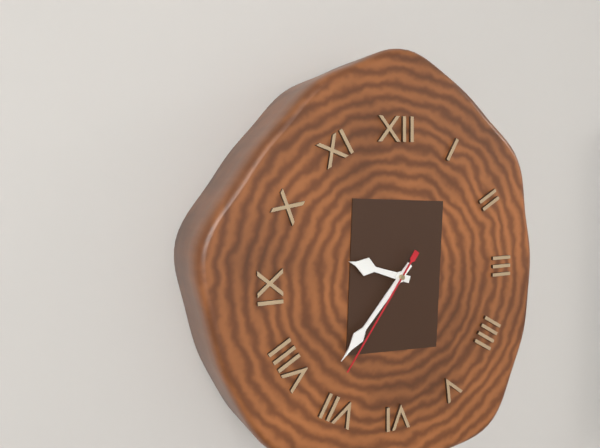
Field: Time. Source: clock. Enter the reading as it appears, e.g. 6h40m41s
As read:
9h37m36s
